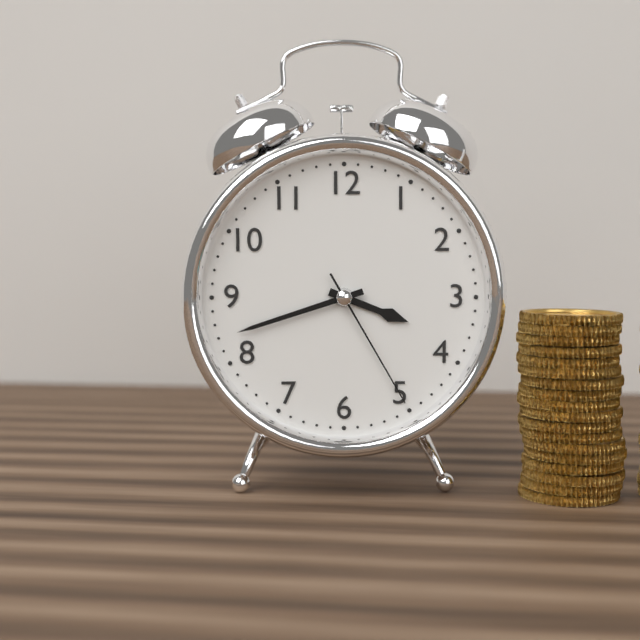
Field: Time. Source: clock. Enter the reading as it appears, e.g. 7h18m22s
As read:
3h42m25s
